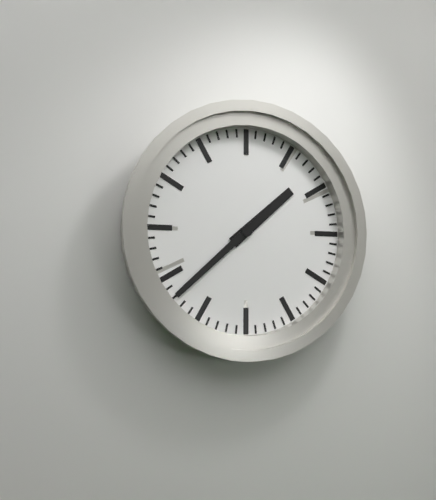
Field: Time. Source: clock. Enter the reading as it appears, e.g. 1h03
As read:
1h38
